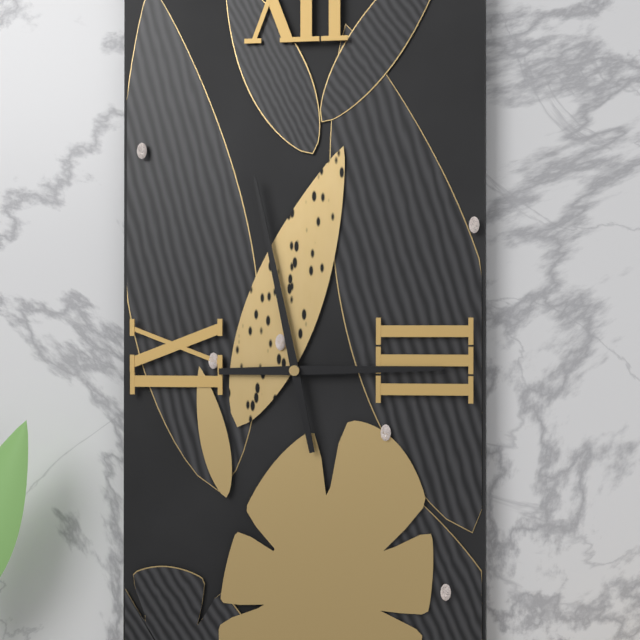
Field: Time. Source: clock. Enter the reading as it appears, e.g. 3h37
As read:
2h58
